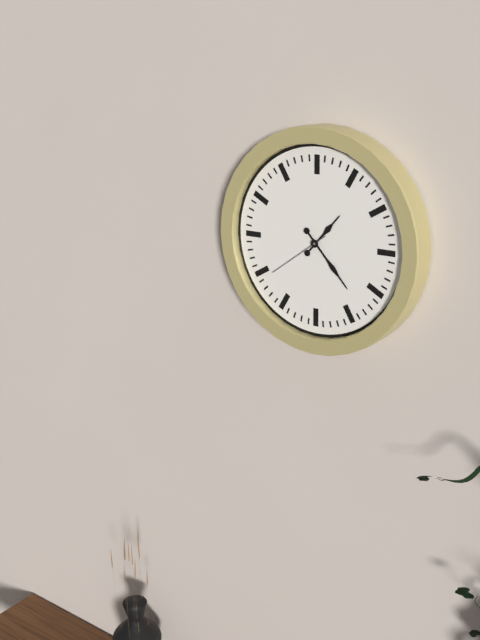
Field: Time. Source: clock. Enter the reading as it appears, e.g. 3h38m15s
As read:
1h23m39s
